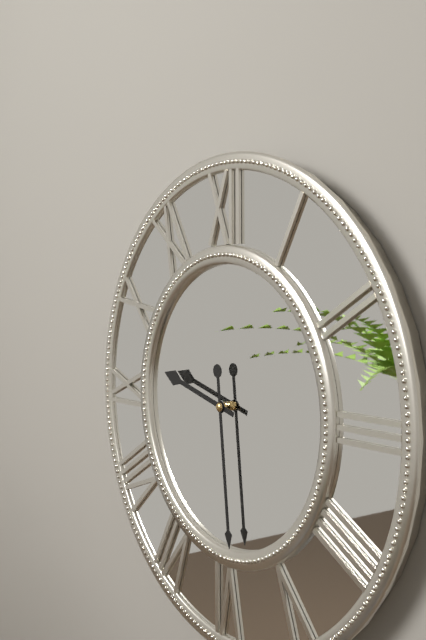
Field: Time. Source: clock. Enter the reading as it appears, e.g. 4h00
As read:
9h29
